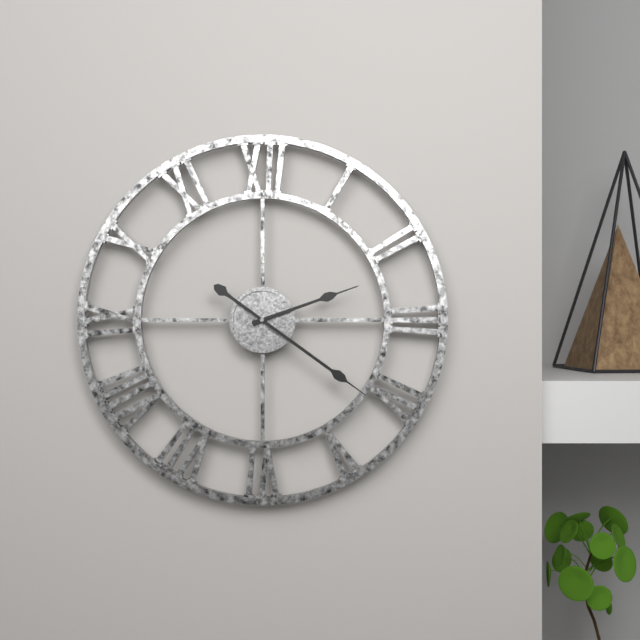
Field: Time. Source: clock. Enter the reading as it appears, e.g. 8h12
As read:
2h21
